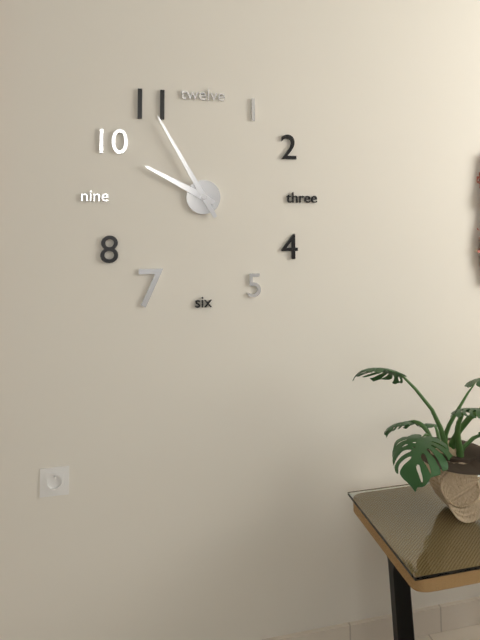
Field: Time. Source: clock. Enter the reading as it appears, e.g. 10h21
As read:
9h55
